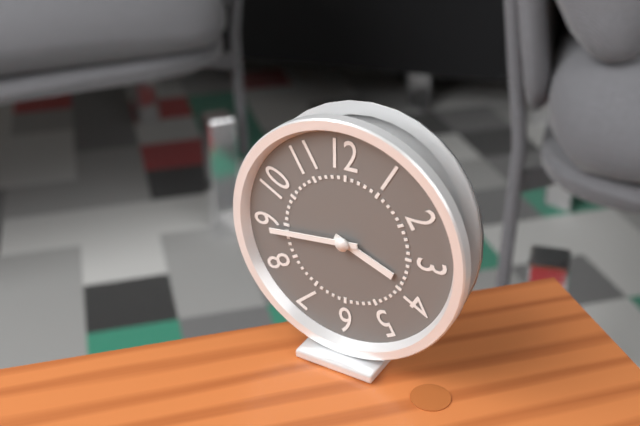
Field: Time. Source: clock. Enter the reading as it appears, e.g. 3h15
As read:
3h44
